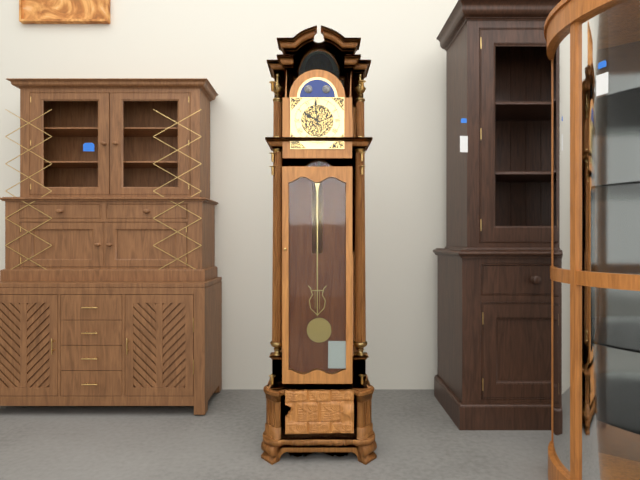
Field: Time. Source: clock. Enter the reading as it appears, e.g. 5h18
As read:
9h59
